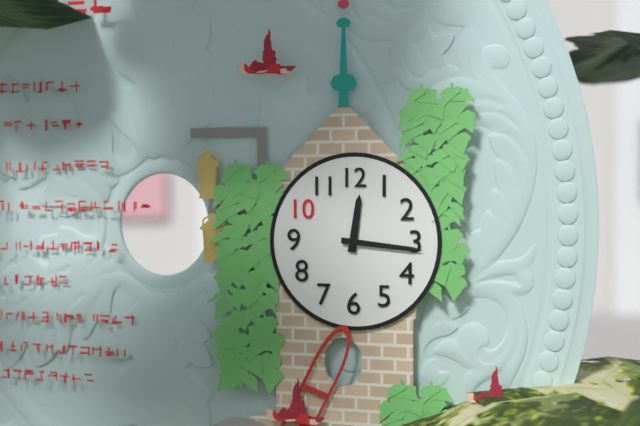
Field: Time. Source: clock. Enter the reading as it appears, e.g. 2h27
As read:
12h16
